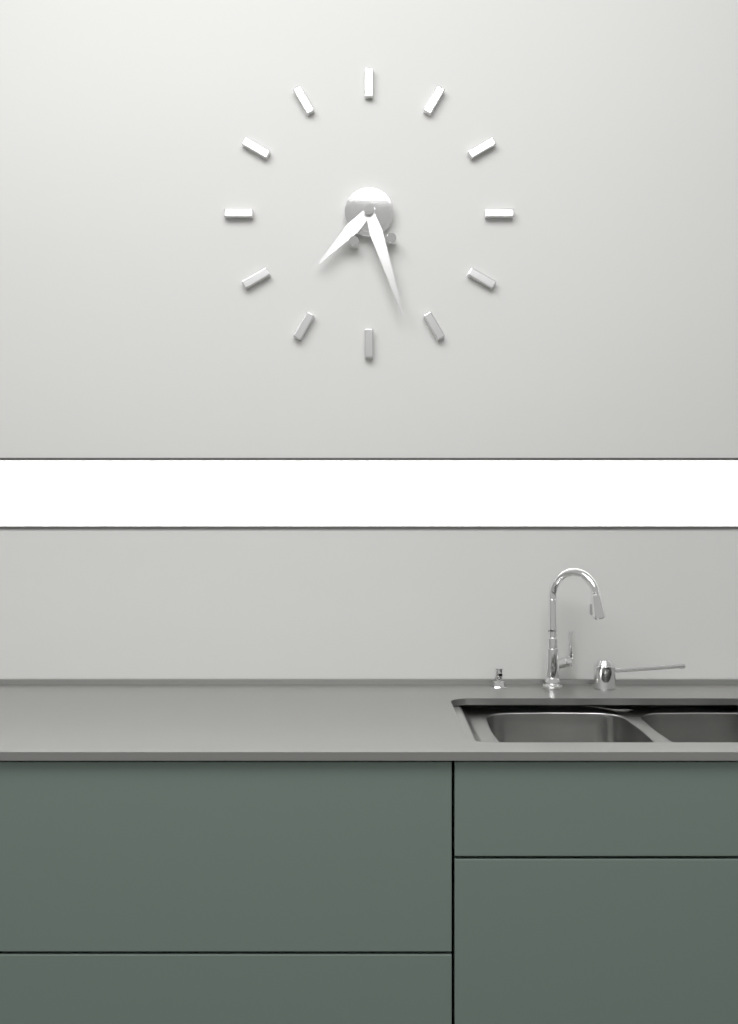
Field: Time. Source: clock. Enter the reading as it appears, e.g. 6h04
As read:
7h27
